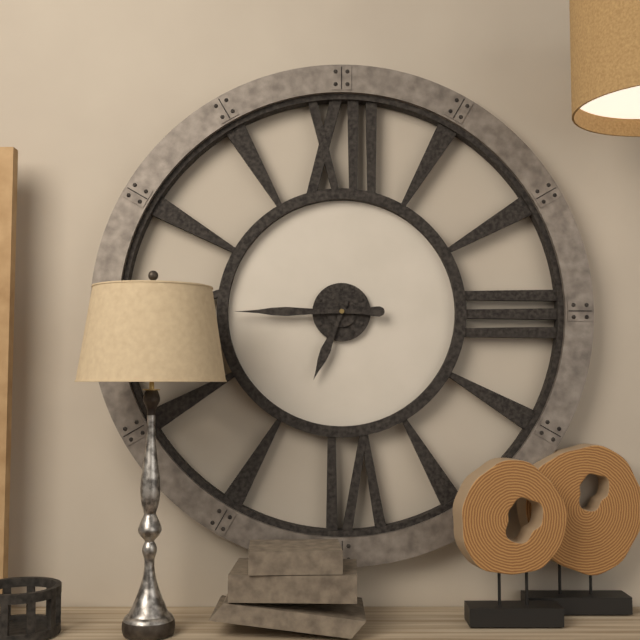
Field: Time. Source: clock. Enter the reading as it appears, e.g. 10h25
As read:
6h45
